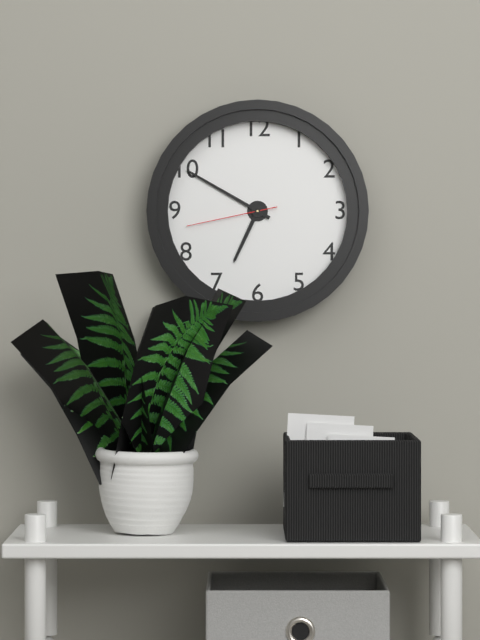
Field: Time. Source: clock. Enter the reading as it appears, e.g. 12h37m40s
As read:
6h50m43s
